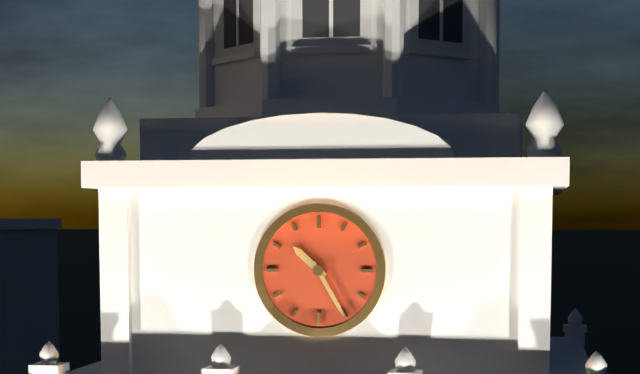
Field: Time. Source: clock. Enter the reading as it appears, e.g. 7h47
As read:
10h25
